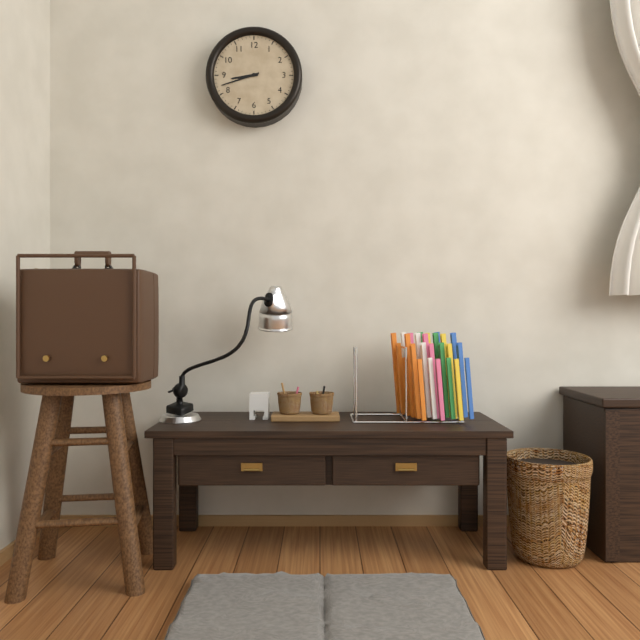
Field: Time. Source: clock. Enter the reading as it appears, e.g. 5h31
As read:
8h42
